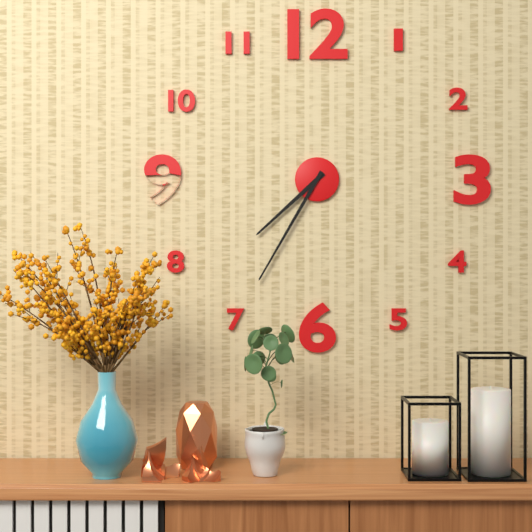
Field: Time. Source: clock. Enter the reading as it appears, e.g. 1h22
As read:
7h35
